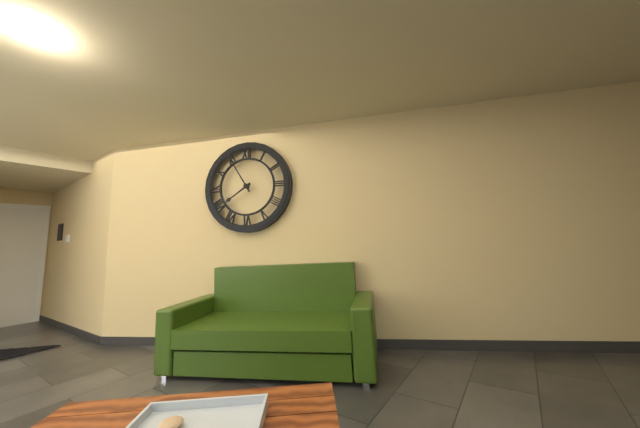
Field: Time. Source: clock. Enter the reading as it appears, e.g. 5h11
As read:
7h55
